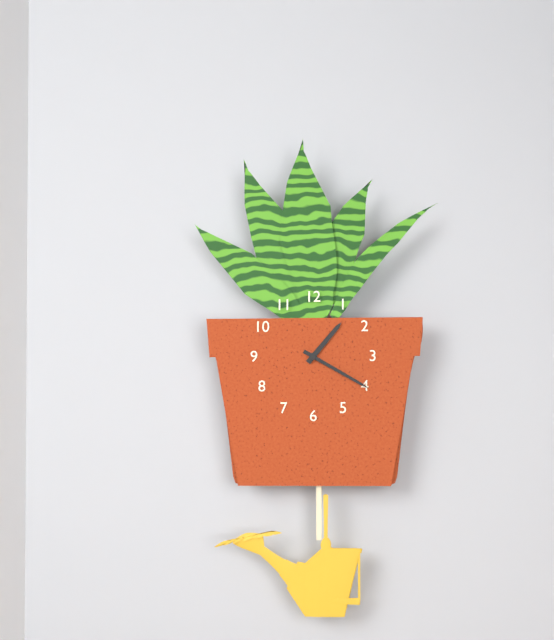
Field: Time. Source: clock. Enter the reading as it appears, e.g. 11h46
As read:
1h20
